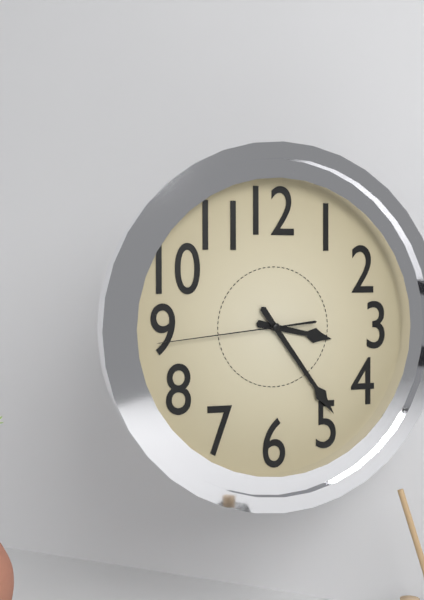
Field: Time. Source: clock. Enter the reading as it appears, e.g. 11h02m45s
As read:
3h24m44s
